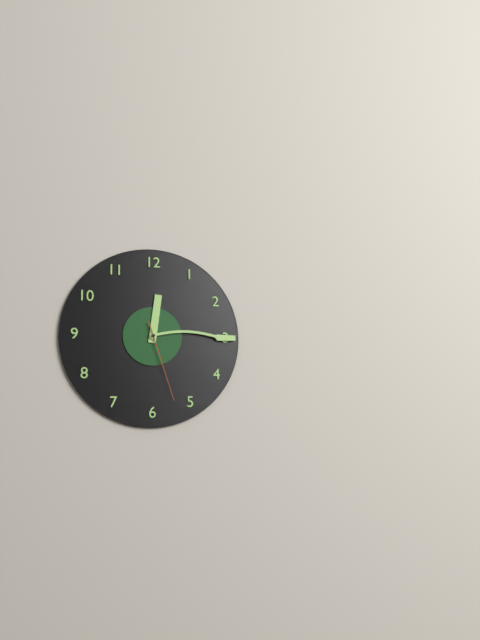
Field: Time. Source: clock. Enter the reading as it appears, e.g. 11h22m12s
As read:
12h15m27s
